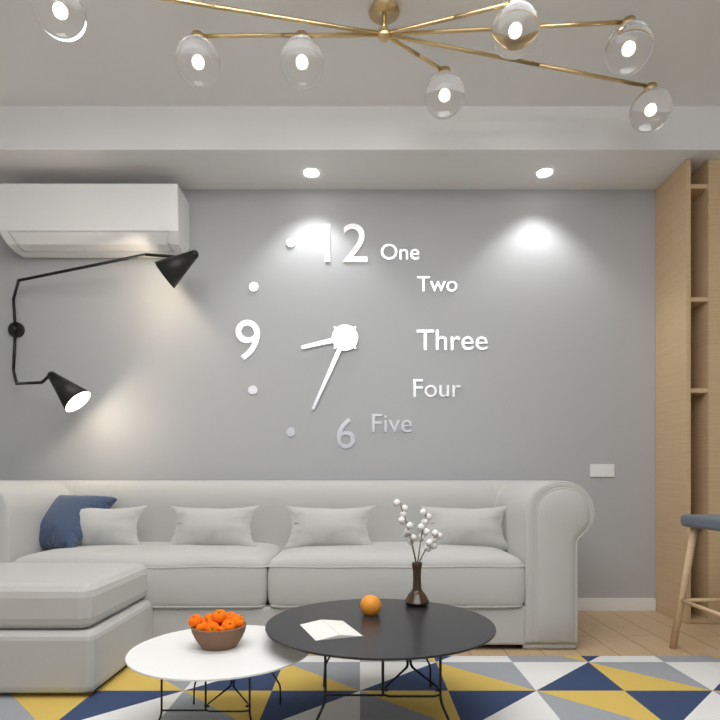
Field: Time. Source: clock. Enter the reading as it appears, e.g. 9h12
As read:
8h34
